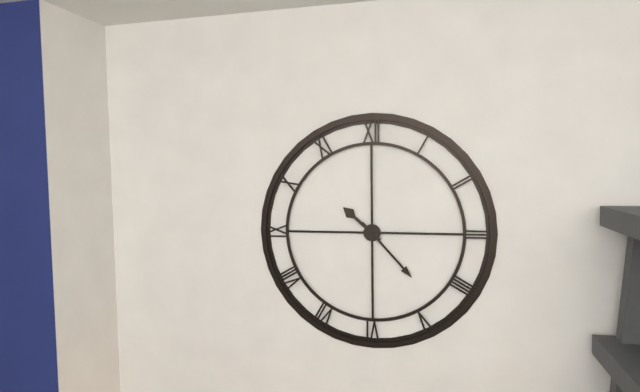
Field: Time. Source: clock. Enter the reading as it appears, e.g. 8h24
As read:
10h23
